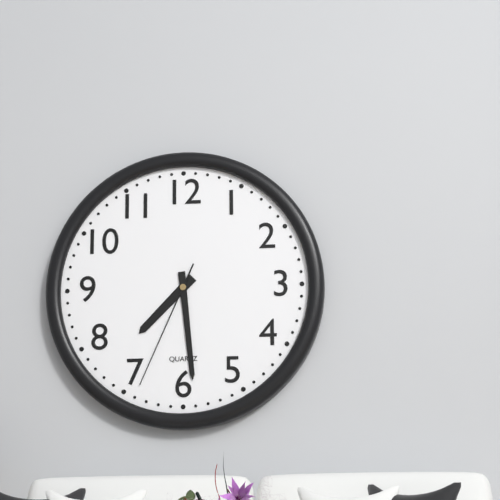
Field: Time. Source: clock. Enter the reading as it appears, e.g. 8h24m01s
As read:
7h29m34s
